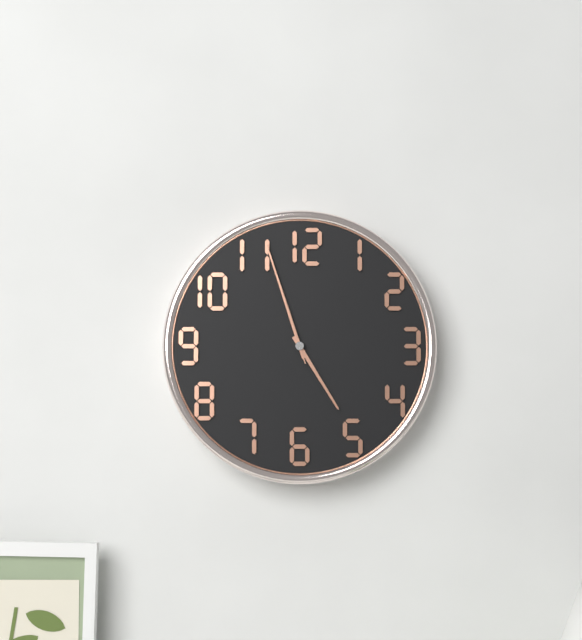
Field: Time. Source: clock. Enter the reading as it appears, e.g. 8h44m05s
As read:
4h57m57s
